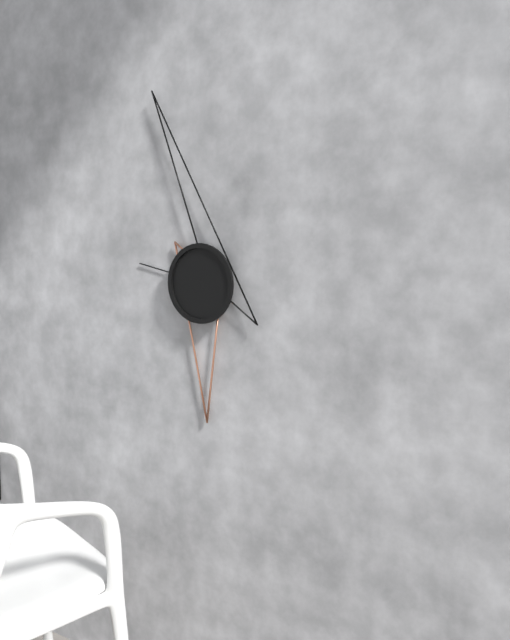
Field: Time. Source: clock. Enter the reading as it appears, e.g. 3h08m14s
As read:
5h57m47s
